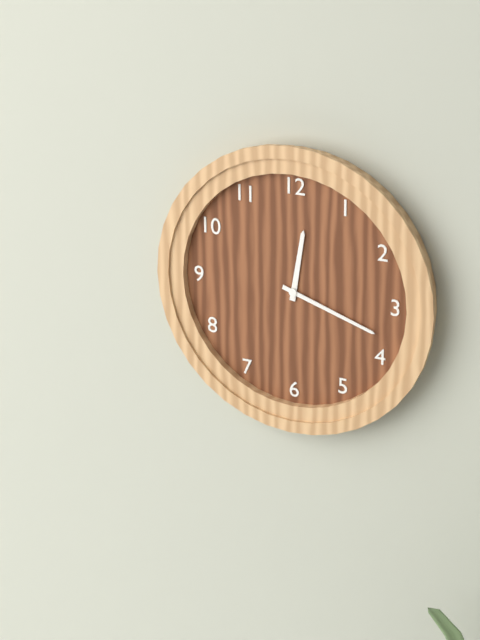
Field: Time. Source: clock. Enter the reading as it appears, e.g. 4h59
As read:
12h18
